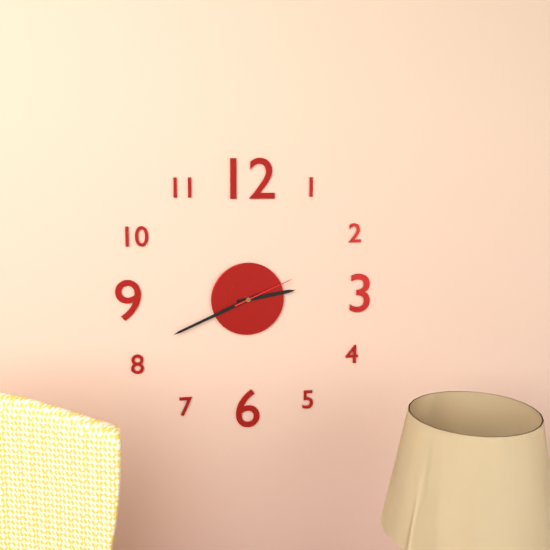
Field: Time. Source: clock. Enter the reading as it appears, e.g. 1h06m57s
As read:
2h41m11s
